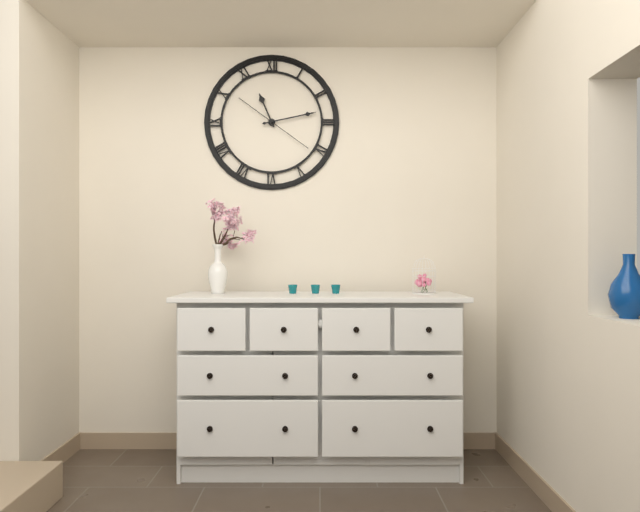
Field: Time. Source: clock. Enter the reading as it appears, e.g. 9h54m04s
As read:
11h13m21s
